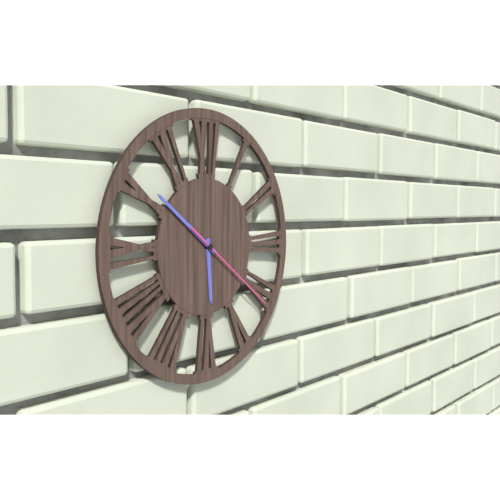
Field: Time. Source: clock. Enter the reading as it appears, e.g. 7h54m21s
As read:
5h51m21s
